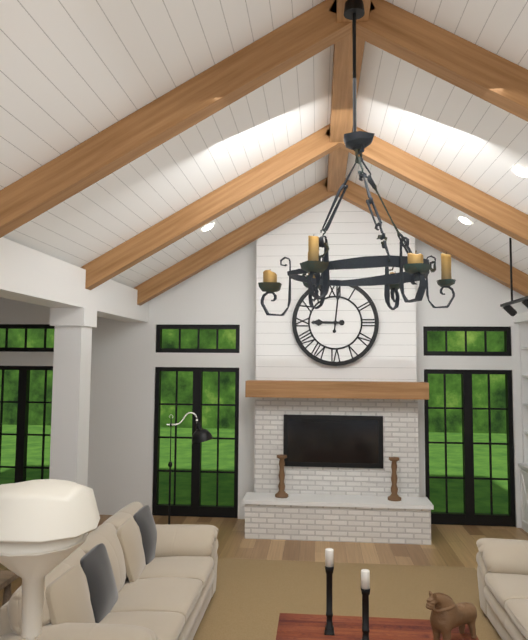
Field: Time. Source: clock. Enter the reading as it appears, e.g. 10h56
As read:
9h01
